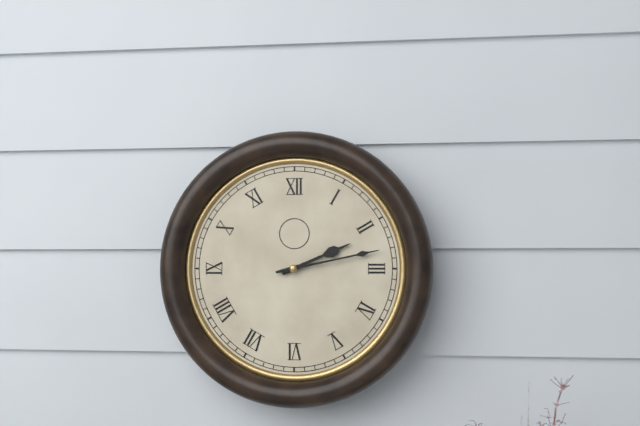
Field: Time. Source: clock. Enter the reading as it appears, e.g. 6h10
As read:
2h13
